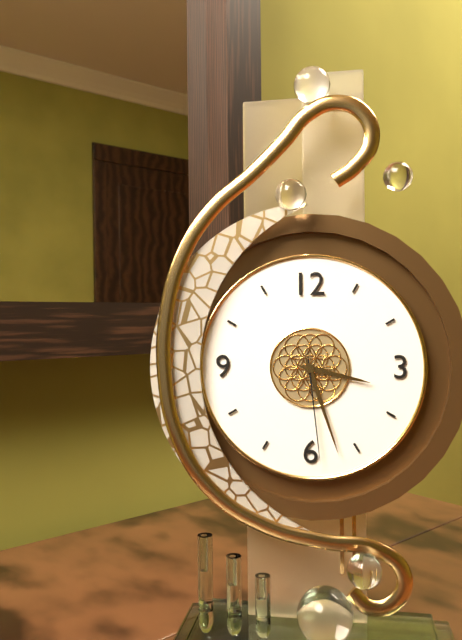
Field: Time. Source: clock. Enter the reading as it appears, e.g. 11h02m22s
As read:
3h27m29s
